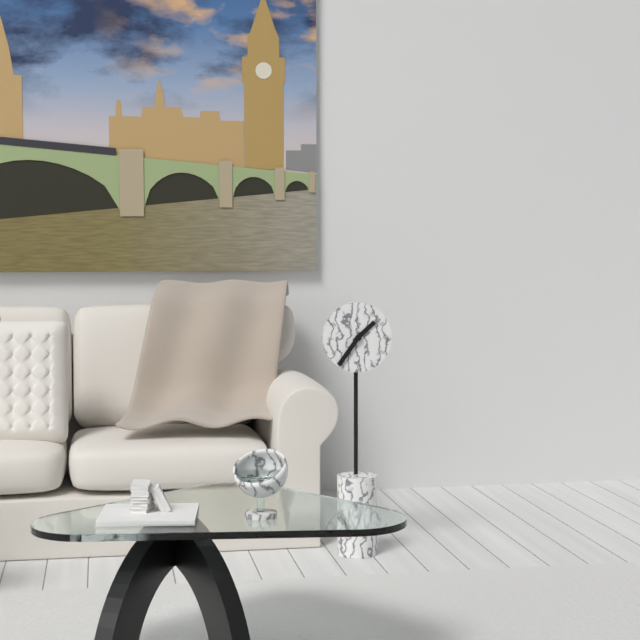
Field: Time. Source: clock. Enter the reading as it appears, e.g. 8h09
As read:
1h36
